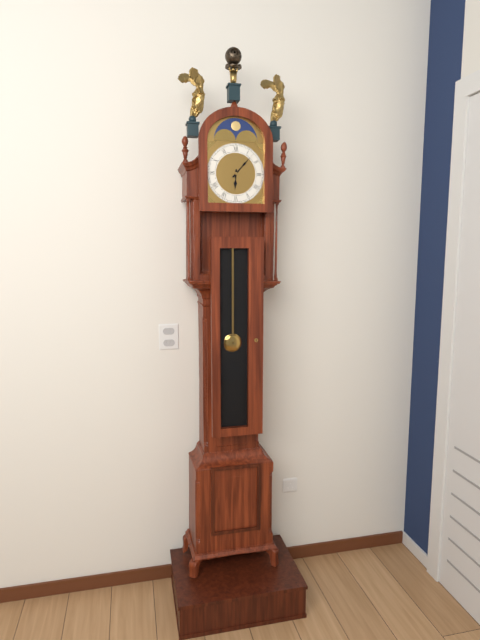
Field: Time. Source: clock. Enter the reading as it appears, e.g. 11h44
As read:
6h07
